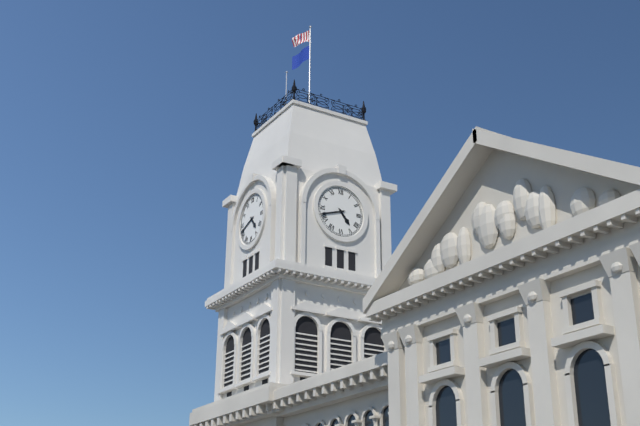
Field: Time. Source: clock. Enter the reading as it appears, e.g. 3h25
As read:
4h42
